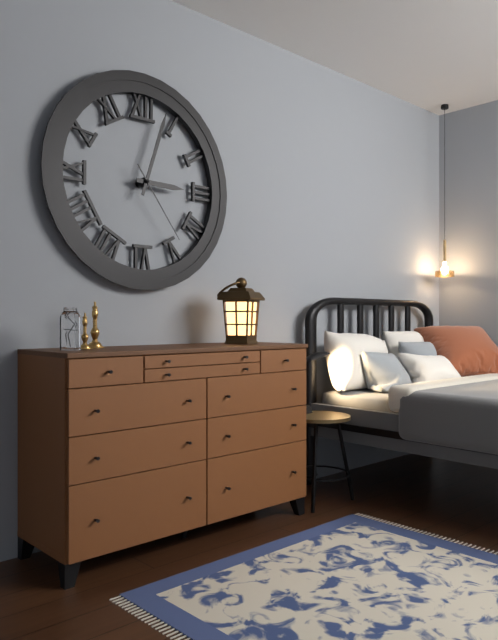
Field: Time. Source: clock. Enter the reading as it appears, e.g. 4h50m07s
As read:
3h03m24s
